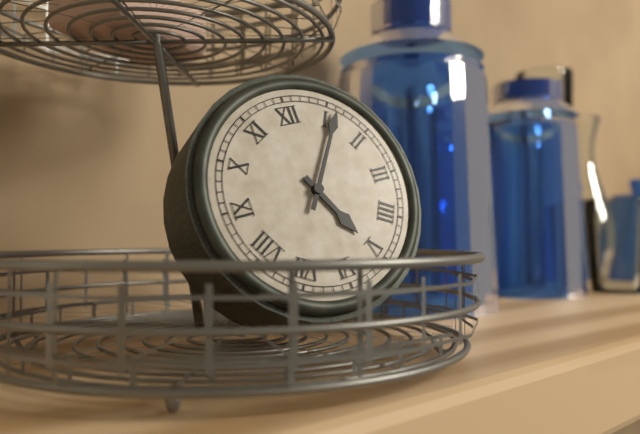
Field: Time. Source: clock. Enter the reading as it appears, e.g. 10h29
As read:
5h06
